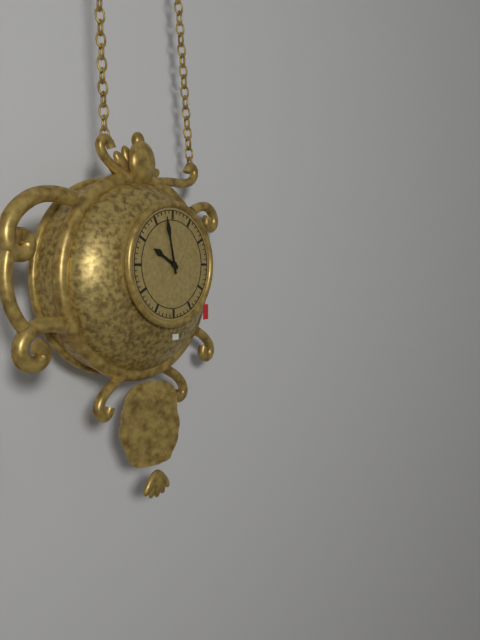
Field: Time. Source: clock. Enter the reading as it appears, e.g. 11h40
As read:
9h58
